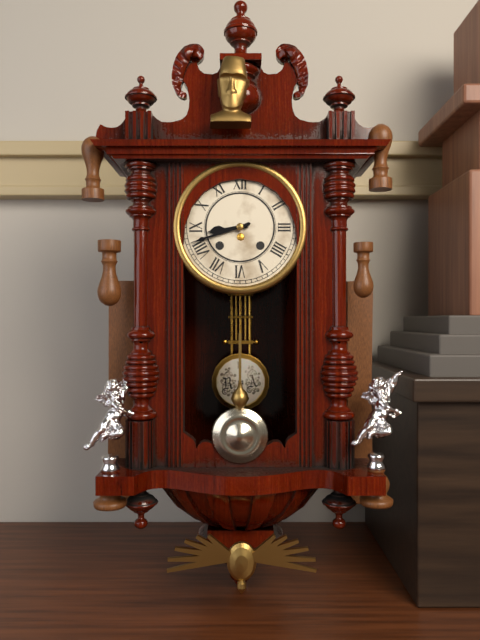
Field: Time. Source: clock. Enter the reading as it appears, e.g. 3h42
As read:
8h42
